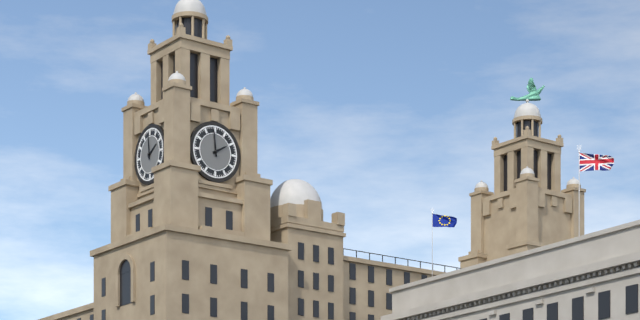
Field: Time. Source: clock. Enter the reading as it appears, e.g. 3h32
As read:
1h59
